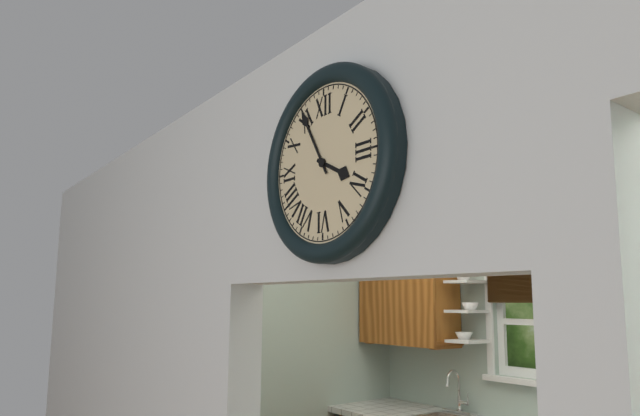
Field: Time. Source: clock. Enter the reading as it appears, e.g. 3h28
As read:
3h55
